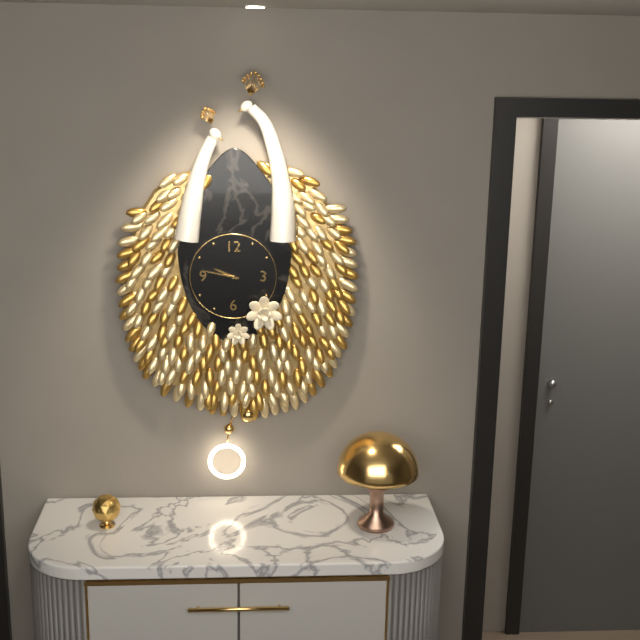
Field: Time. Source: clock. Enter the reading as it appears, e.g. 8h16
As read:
9h47
